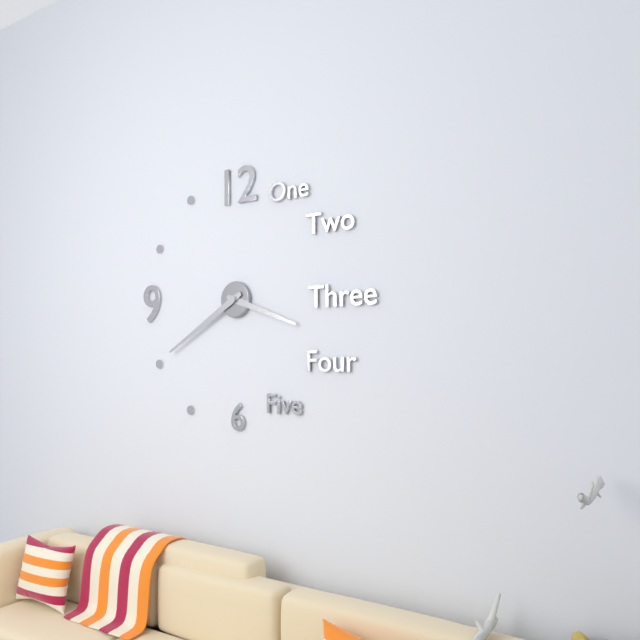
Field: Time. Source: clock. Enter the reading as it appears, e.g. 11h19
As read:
3h40
